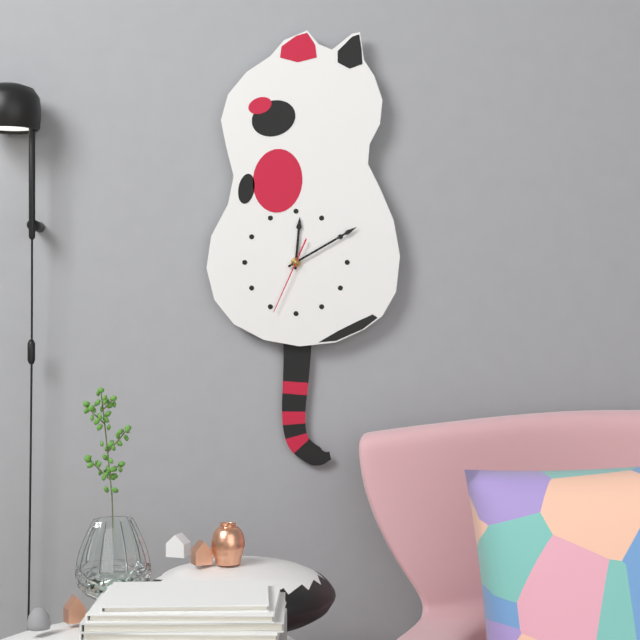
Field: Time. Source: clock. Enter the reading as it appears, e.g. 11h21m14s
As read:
12h10m34s
